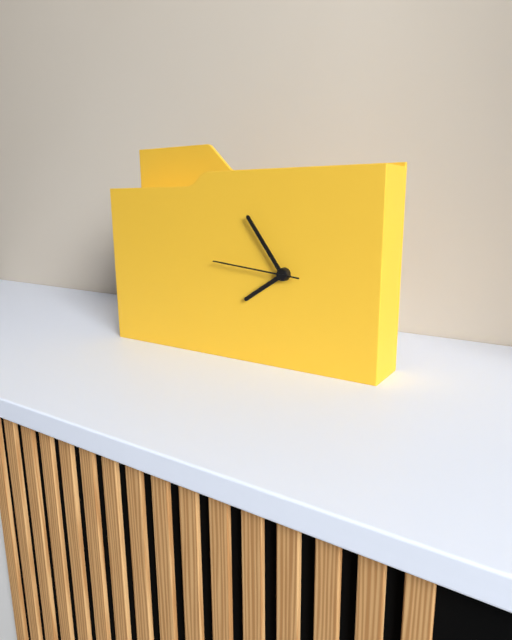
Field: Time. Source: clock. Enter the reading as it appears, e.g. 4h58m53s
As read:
7h54m46s
